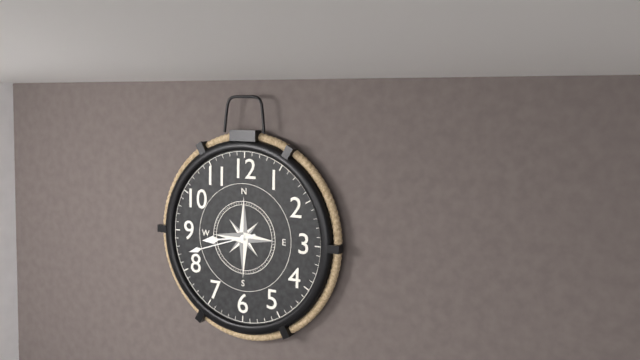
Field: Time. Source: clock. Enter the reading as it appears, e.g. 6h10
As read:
8h42
